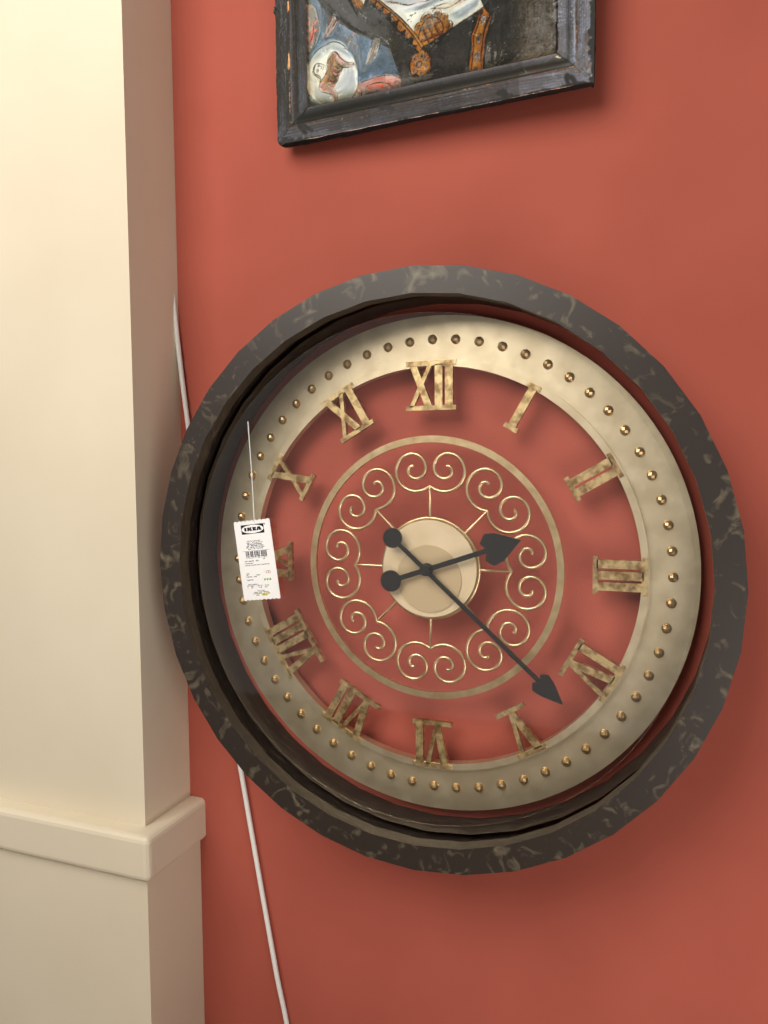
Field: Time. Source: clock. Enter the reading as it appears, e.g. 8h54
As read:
2h22
